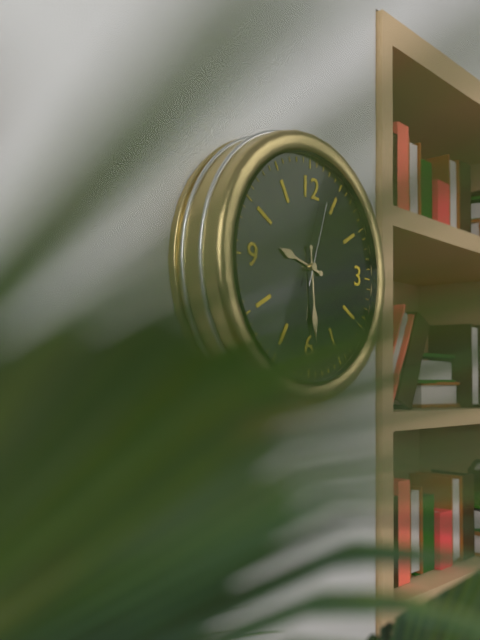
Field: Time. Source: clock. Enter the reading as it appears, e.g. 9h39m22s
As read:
9h29m03s
